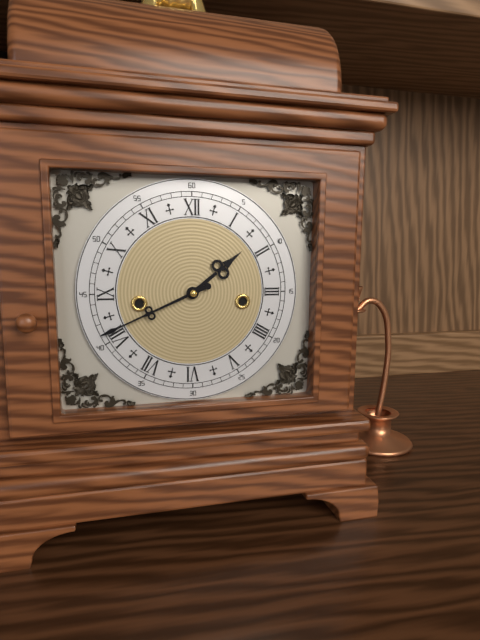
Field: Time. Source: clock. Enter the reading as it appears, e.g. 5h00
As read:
1h41
